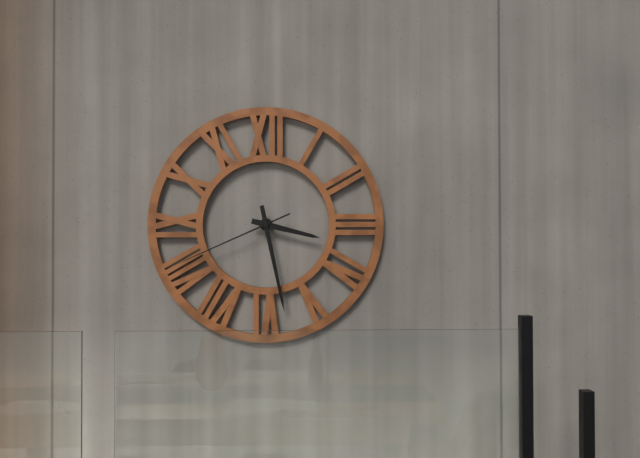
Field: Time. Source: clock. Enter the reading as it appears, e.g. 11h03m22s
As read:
3h28m41s
